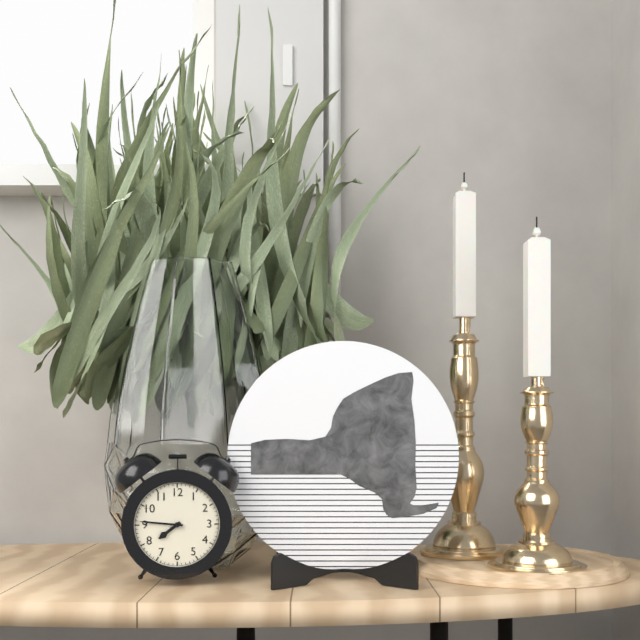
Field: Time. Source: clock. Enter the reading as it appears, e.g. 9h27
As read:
7h46
